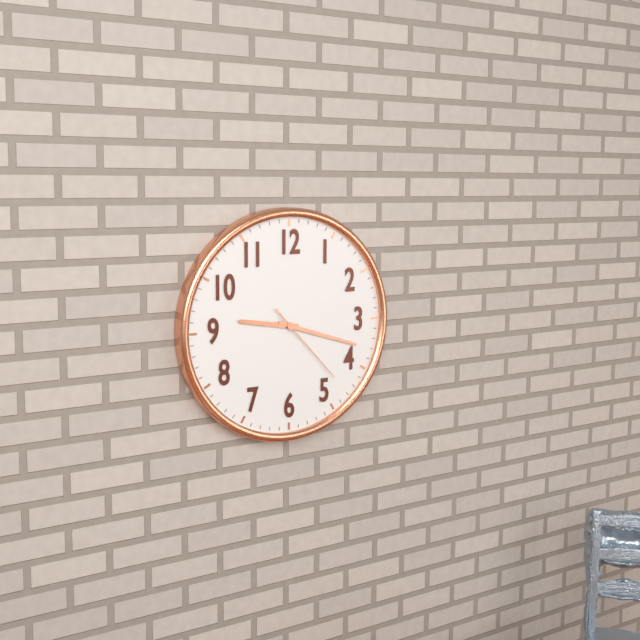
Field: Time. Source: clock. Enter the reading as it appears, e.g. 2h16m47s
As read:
9h18m23s
